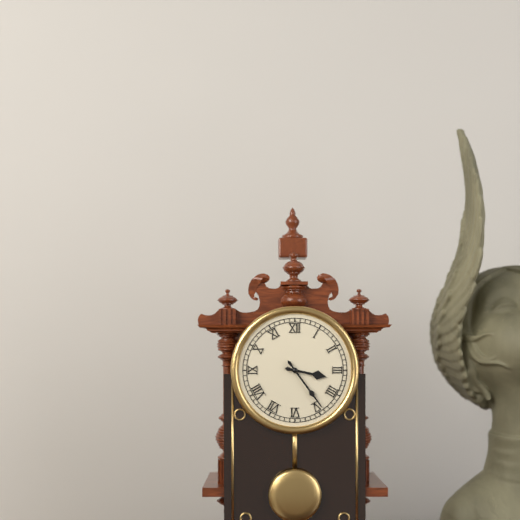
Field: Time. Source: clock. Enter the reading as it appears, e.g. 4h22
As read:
3h24
